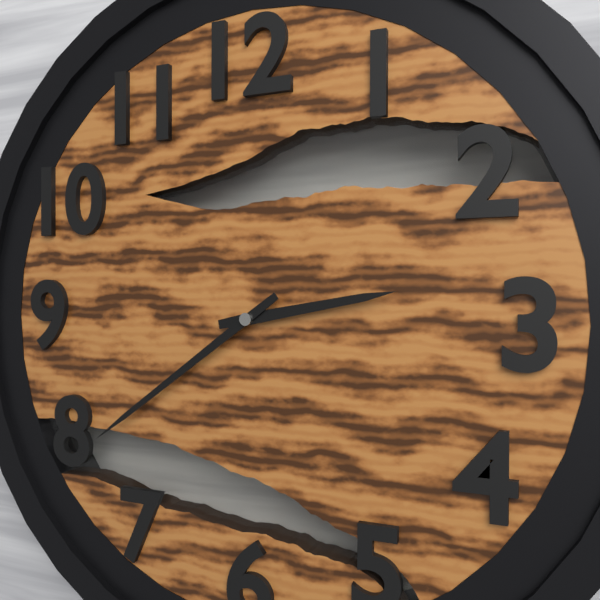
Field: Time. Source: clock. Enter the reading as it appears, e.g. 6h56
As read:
2h39
